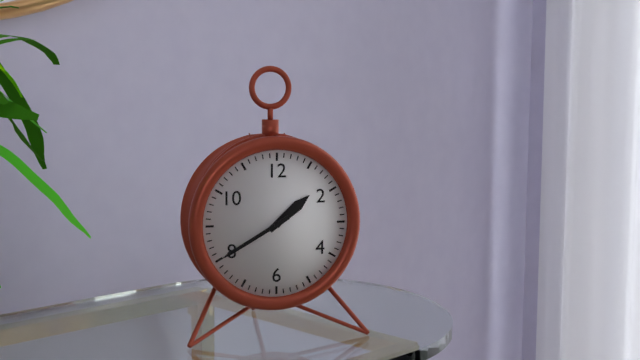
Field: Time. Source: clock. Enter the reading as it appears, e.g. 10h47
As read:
1h40
